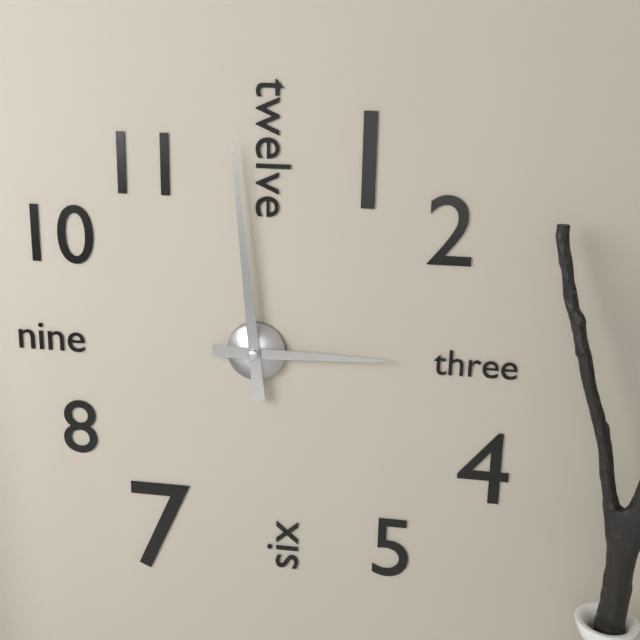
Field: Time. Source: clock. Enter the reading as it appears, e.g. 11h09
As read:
2h59
